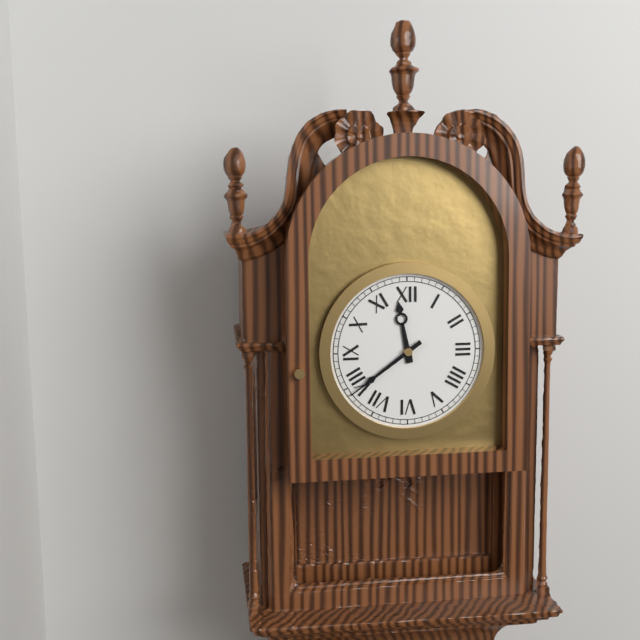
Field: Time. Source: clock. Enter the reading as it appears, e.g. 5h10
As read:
11h39
